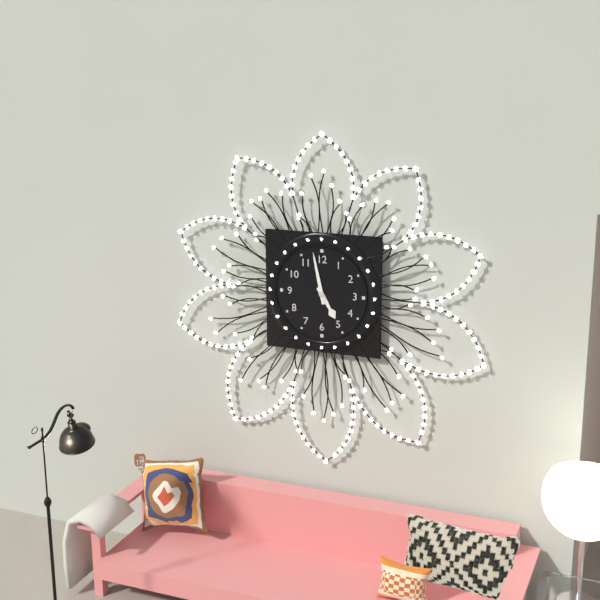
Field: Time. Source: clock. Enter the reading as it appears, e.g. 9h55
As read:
4h58
